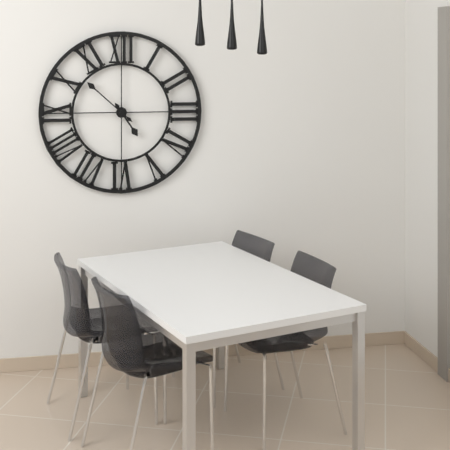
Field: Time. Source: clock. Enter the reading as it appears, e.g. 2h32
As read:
4h52
